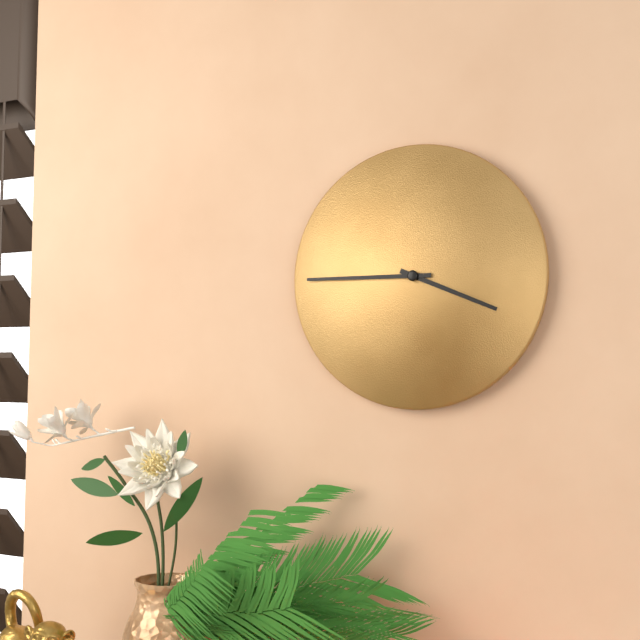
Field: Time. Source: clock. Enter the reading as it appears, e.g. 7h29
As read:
3h45
